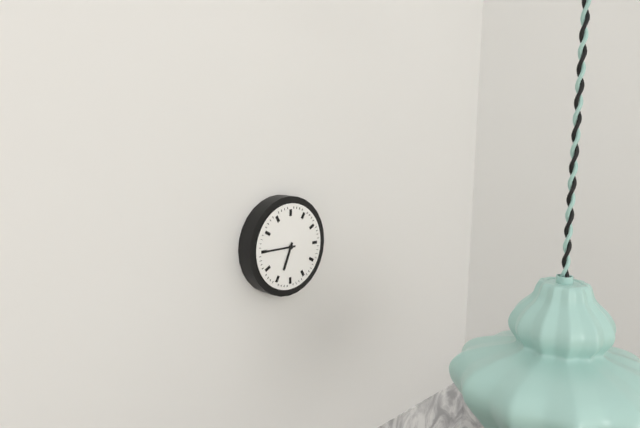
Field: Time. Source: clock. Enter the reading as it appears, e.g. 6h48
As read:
6h45
